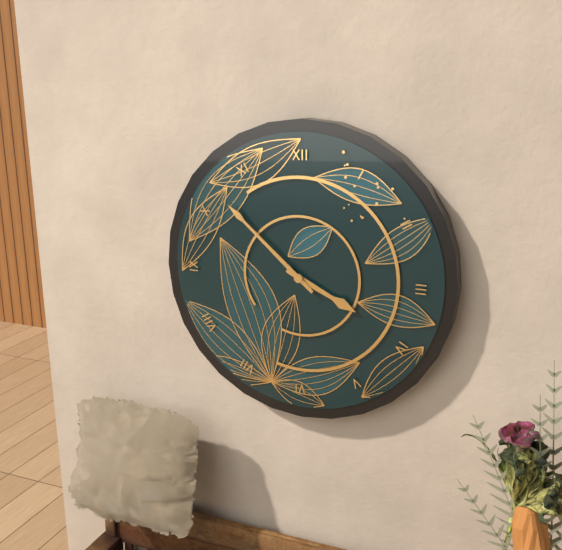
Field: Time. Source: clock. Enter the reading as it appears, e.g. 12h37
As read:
3h52
